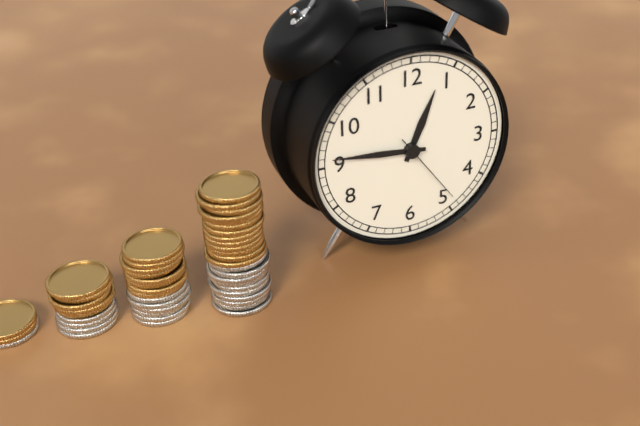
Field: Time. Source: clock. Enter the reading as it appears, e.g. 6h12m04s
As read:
12h46m24s
